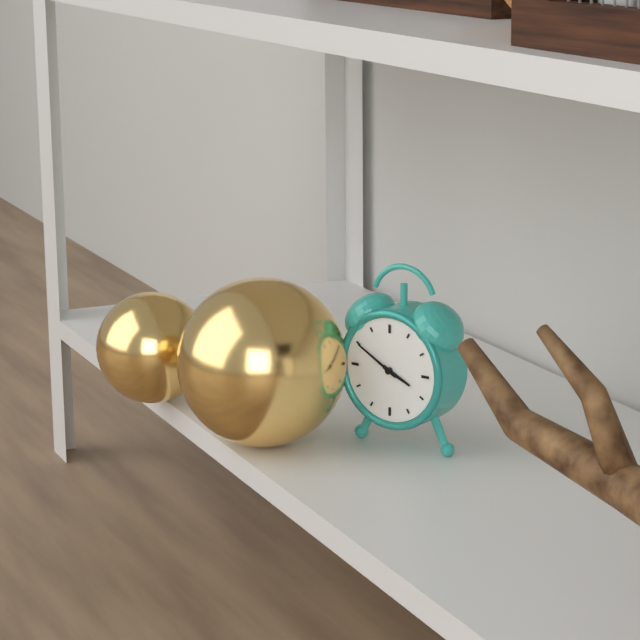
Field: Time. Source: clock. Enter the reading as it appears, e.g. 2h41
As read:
3h50
